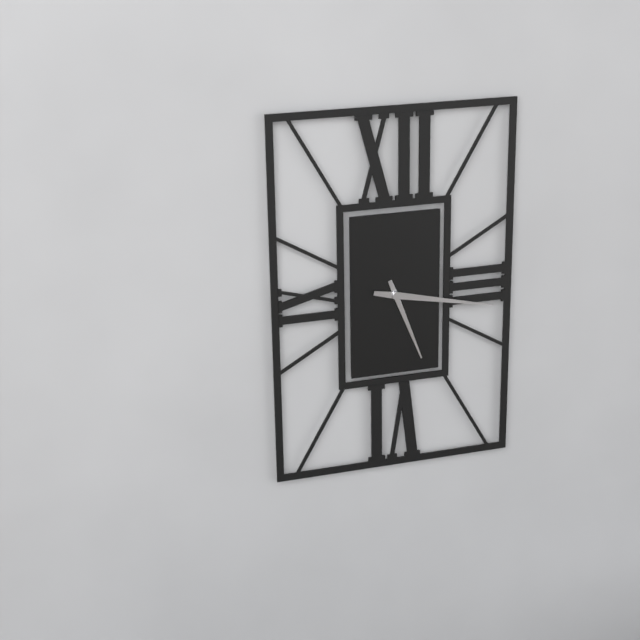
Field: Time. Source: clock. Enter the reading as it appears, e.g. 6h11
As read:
5h17
